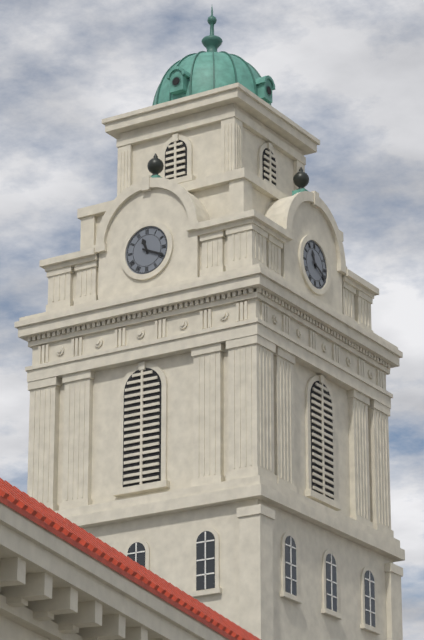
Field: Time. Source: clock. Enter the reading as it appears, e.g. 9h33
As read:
11h19
